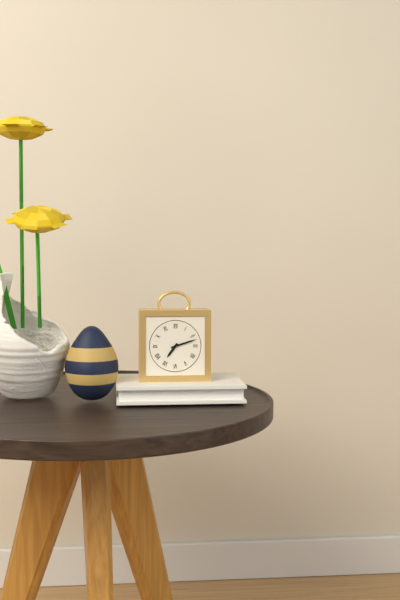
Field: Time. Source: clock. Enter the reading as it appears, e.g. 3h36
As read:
7h12
